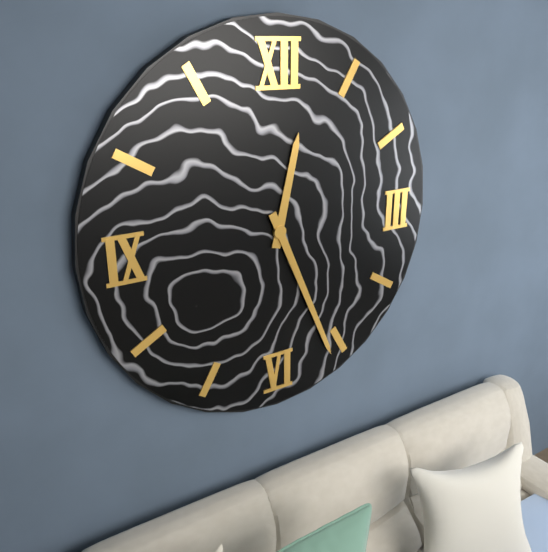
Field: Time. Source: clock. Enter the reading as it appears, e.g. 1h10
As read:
12h26
